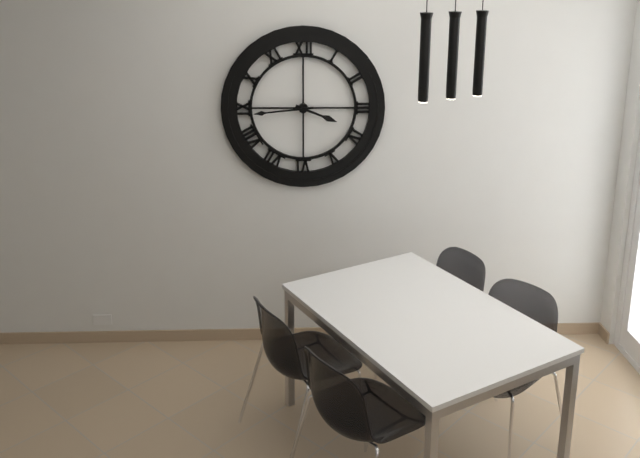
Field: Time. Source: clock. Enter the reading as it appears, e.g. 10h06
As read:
3h44
